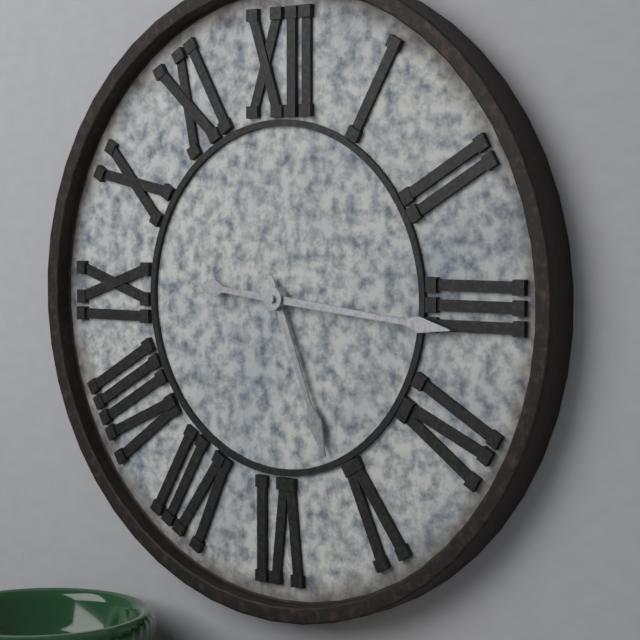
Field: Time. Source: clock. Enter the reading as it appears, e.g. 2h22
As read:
5h16
